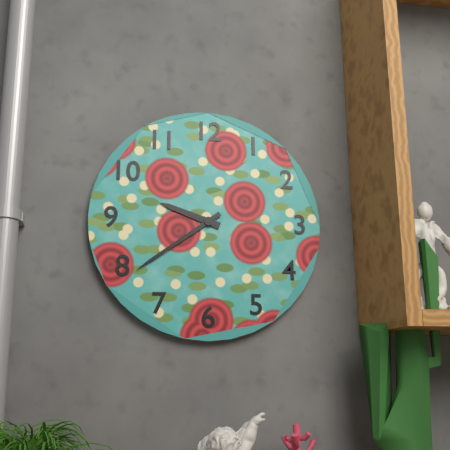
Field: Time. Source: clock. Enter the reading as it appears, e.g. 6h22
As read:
9h39
